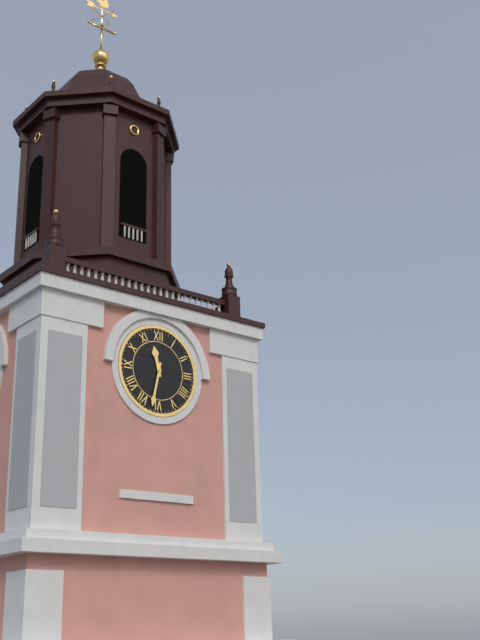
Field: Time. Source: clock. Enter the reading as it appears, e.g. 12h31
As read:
11h32
